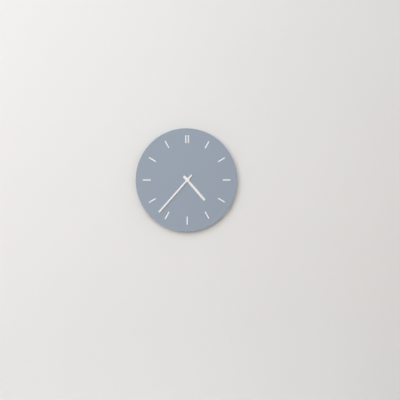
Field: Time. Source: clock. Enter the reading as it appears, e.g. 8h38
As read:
4h37
